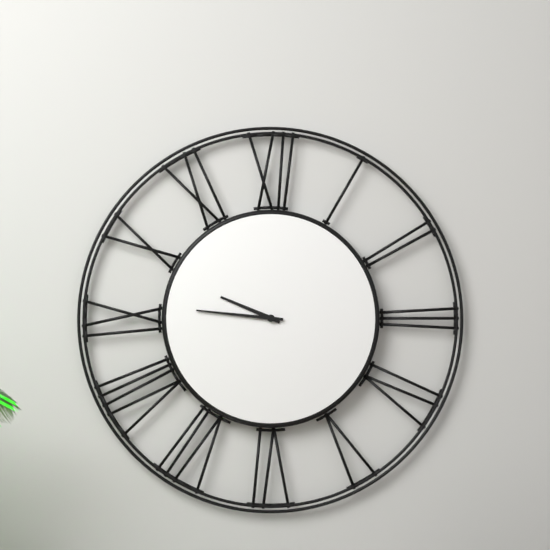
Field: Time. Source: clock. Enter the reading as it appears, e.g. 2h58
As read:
9h46
